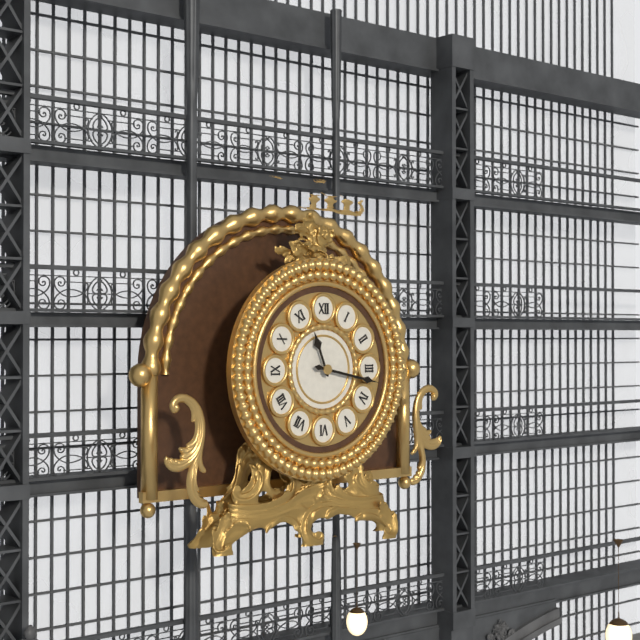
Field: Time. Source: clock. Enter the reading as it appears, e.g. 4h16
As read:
11h17
